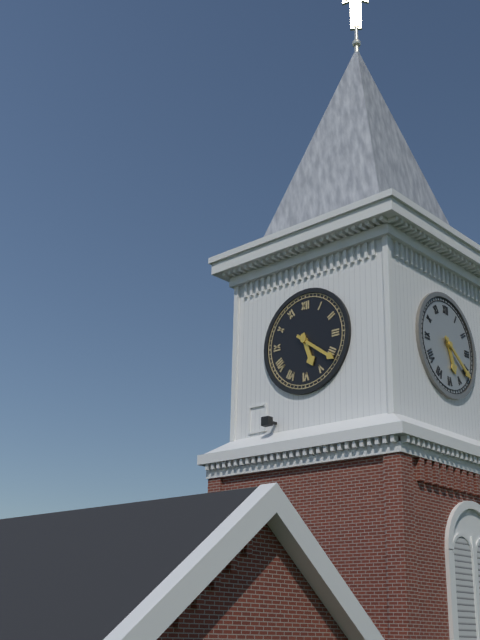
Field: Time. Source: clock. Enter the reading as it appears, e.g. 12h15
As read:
5h21
